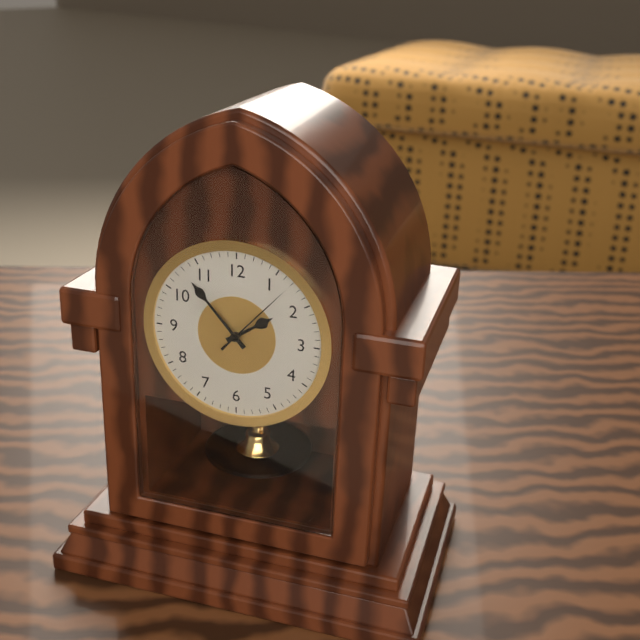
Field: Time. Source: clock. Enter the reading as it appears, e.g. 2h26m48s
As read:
1h53m07s
